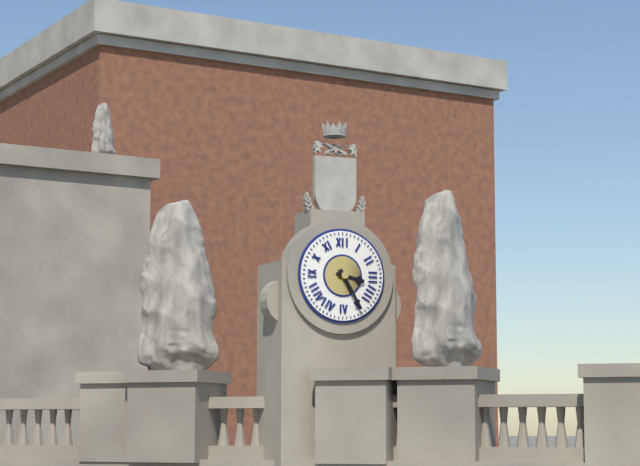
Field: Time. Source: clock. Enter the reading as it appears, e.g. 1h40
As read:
3h25
